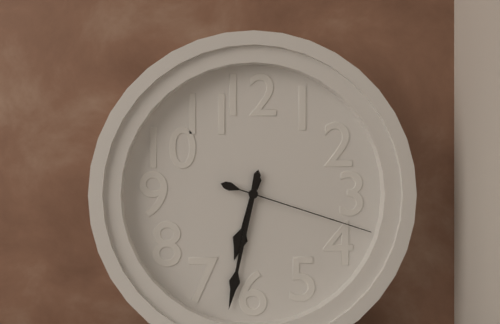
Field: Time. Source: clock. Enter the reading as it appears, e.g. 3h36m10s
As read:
6h32m18s
